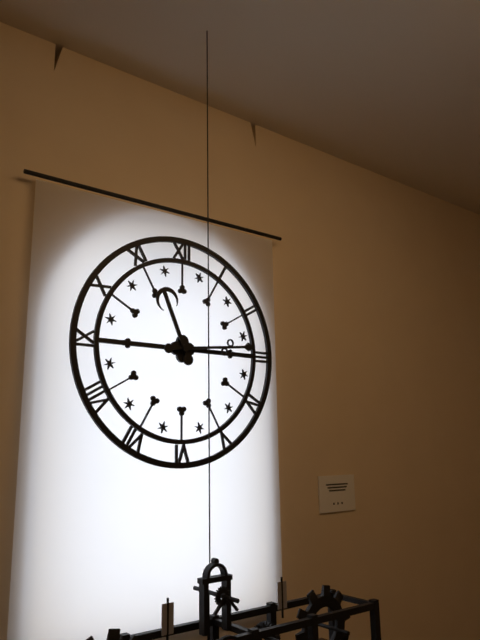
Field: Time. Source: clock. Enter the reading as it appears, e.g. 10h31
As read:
11h14
